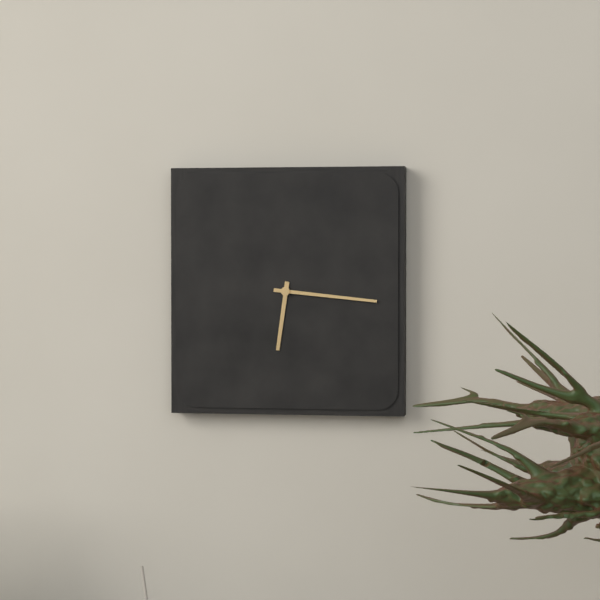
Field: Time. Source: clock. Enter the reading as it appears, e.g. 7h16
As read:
6h16
